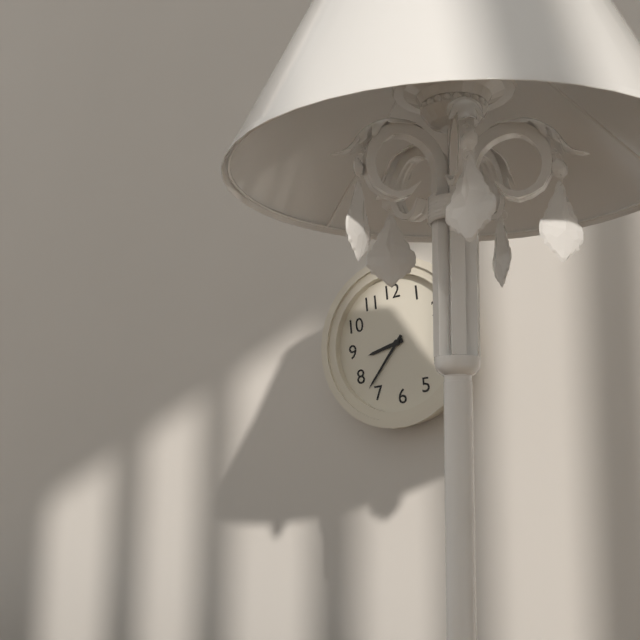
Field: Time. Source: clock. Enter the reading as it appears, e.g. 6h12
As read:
8h37
